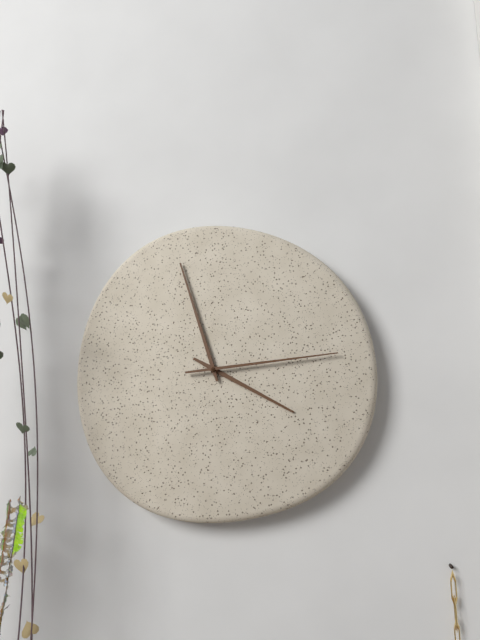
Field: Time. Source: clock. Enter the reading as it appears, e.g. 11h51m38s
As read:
3h57m14s
